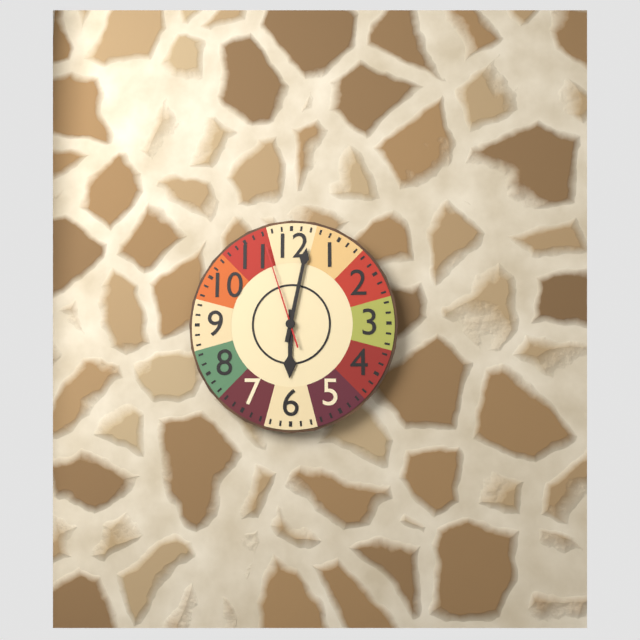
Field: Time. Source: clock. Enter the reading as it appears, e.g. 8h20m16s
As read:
6h02m57s
